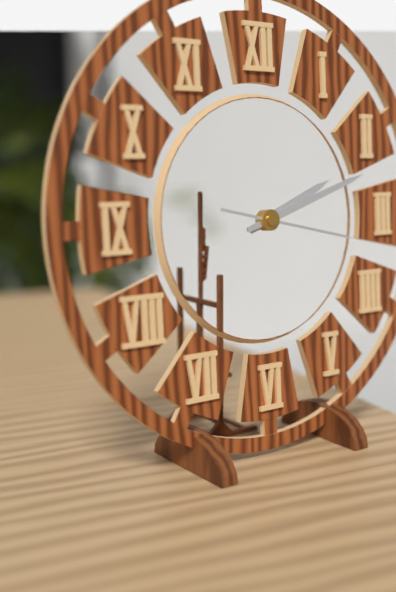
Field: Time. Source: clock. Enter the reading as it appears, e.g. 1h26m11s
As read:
2h12m17s
